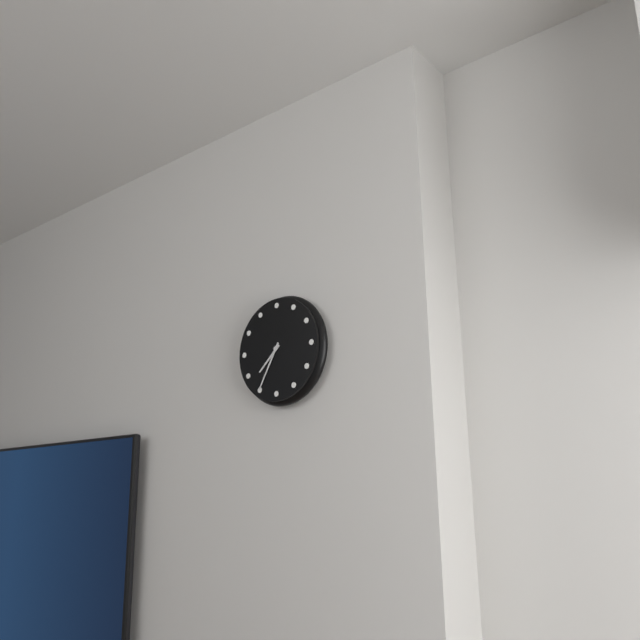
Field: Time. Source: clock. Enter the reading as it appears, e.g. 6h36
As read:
7h35
